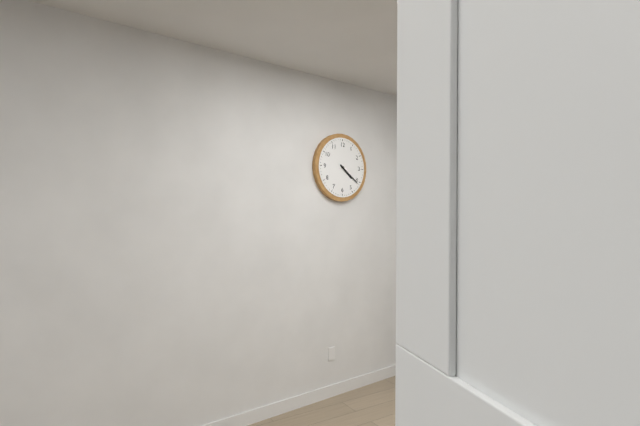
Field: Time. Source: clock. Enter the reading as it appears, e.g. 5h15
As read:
4h21
